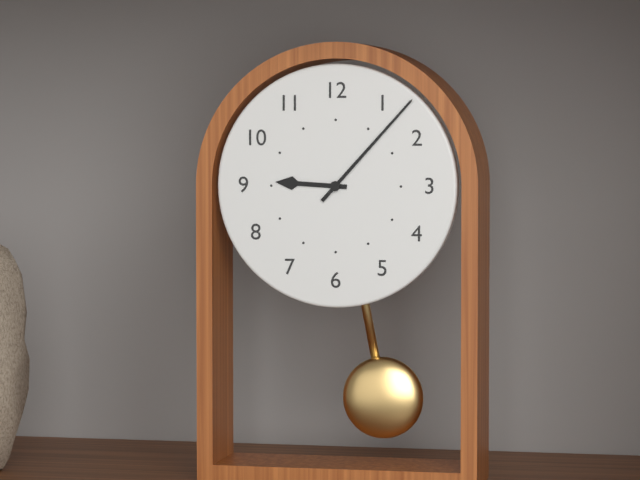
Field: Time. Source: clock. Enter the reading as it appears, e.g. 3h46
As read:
9h07
